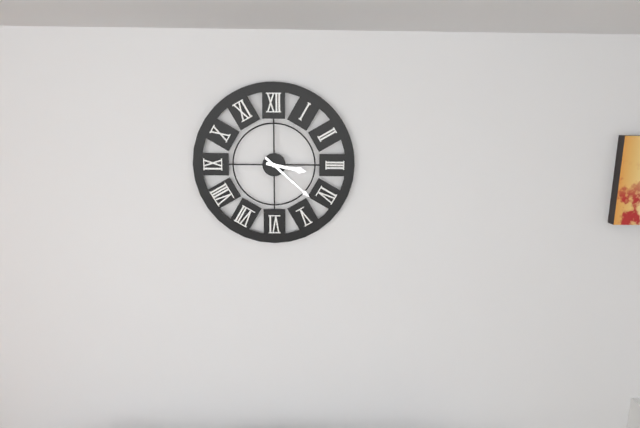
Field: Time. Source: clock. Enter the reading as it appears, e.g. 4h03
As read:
3h22
